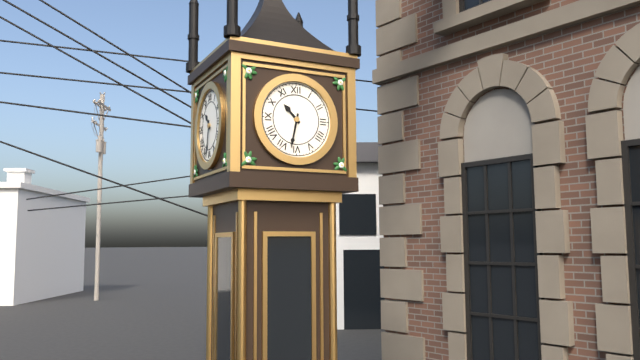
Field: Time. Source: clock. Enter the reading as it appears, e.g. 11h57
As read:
10h32
